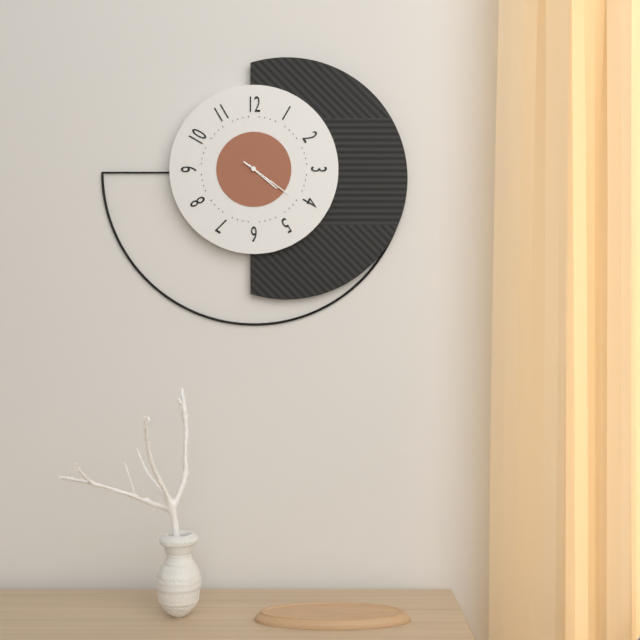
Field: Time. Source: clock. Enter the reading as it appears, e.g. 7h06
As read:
4h21
